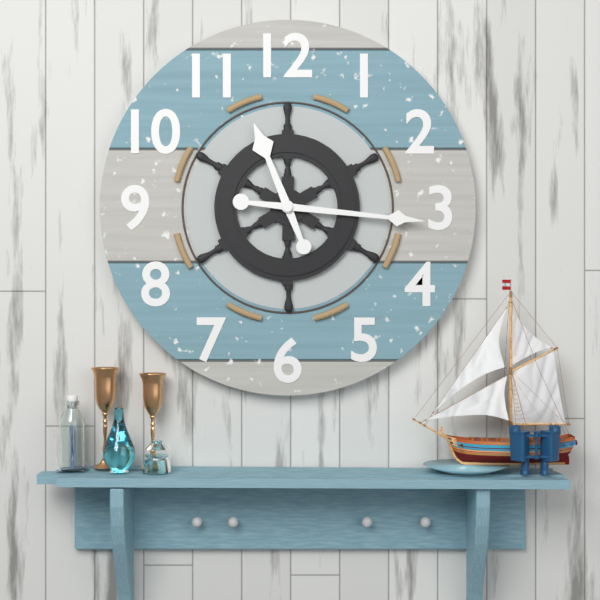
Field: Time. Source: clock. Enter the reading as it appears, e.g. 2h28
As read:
11h16
